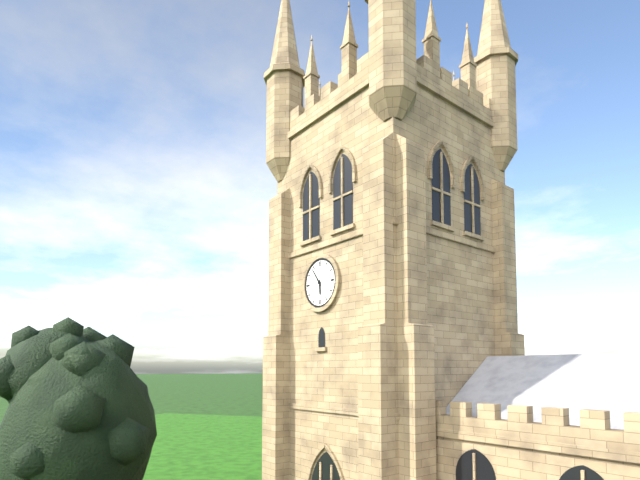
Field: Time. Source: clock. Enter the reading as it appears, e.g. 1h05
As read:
5h54
